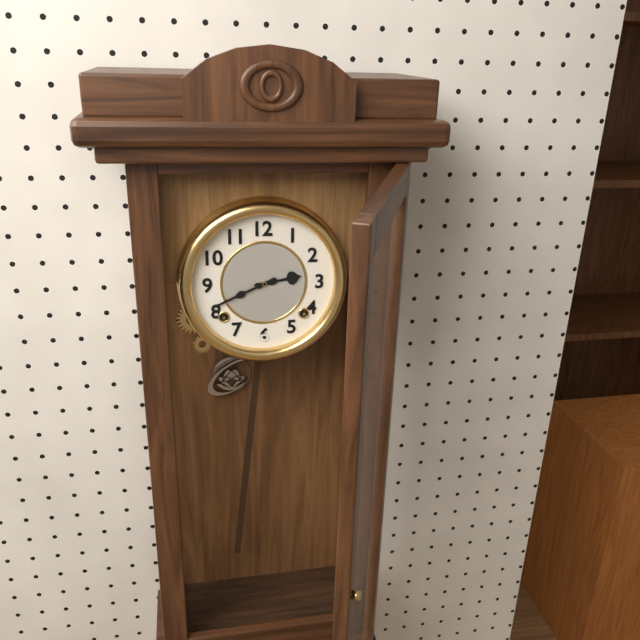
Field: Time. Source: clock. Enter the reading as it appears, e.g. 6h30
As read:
2h41
